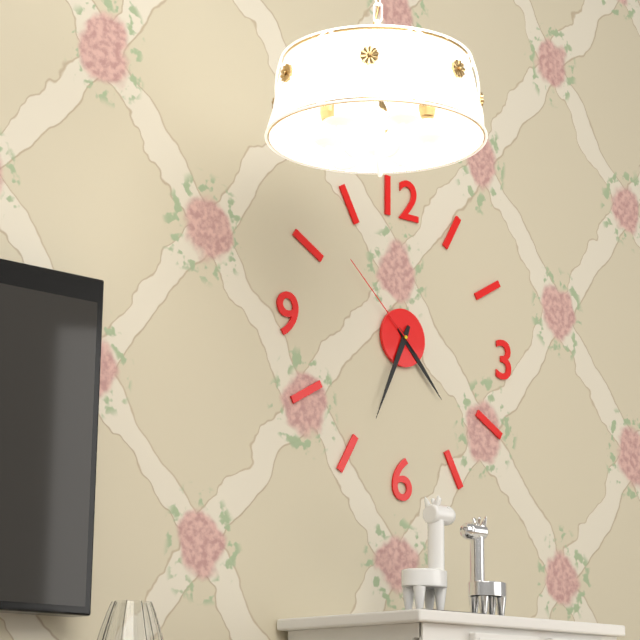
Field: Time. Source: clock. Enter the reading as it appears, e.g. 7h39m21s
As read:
4h34m52s
